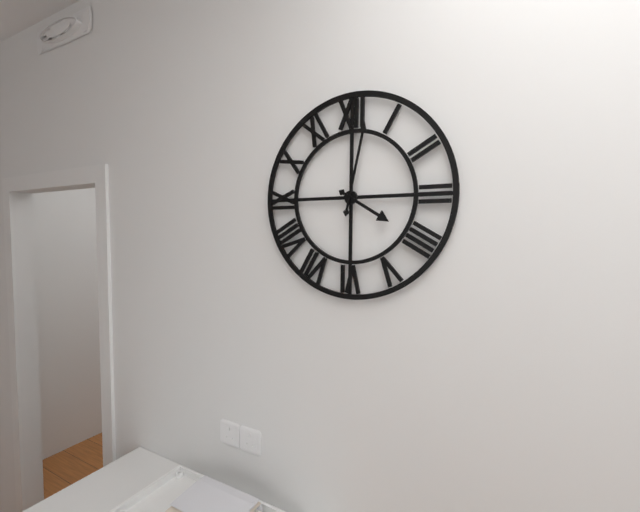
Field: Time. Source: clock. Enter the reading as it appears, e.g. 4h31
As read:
4h02
